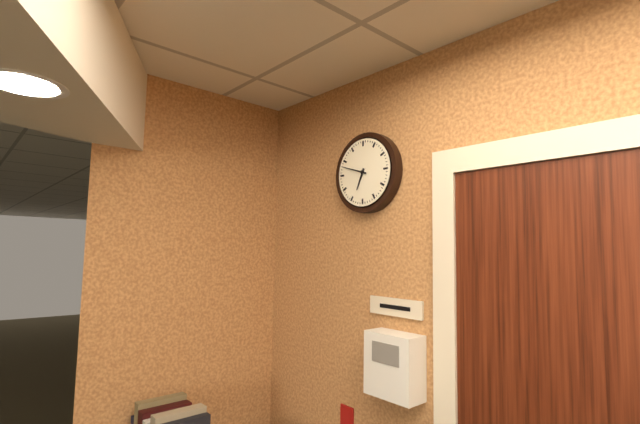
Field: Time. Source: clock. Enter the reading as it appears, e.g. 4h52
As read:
6h48
